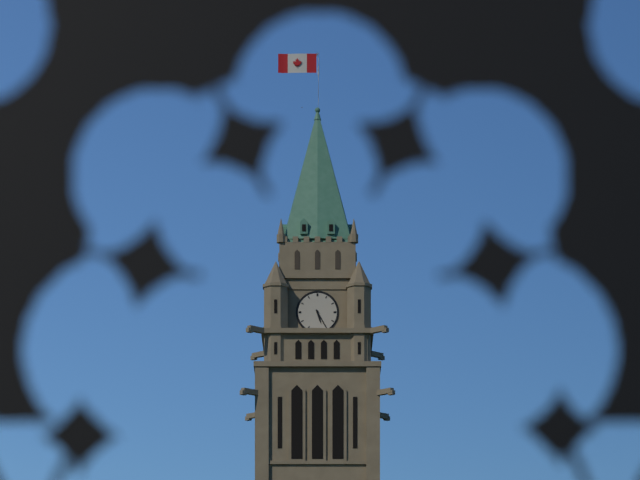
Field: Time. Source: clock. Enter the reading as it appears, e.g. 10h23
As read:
5h25
